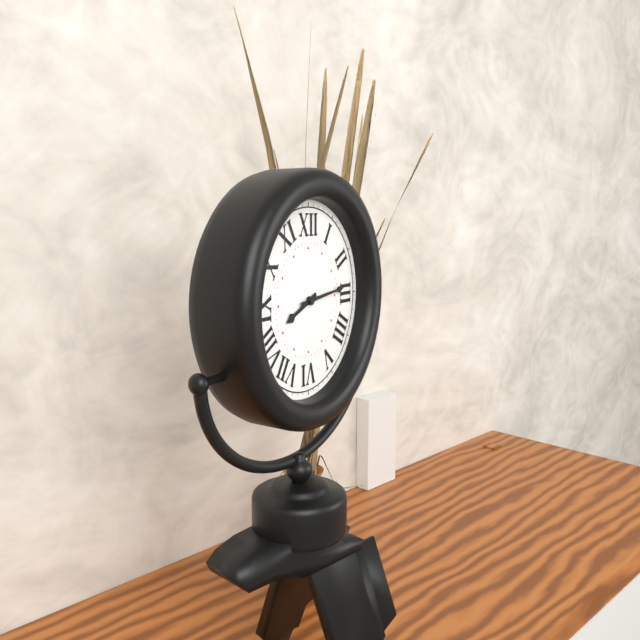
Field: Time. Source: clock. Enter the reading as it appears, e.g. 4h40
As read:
8h14
